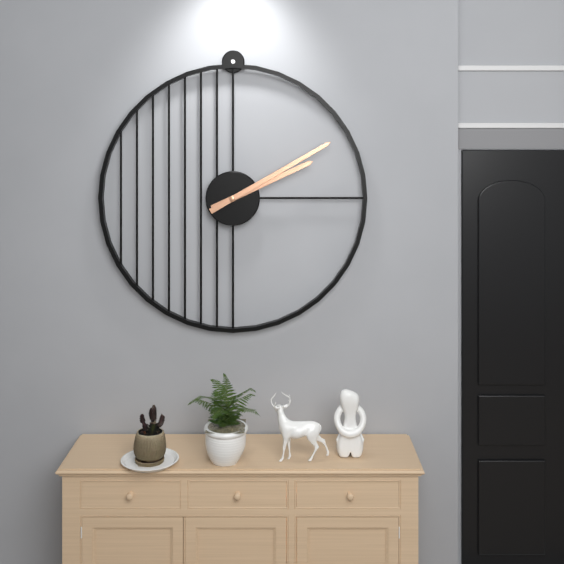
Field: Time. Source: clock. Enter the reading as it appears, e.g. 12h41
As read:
2h10
